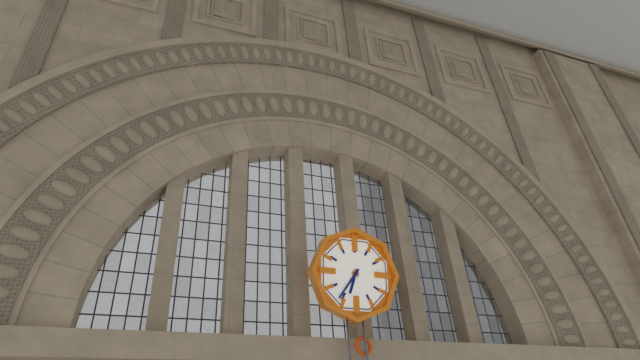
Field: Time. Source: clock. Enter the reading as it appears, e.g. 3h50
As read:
6h36
